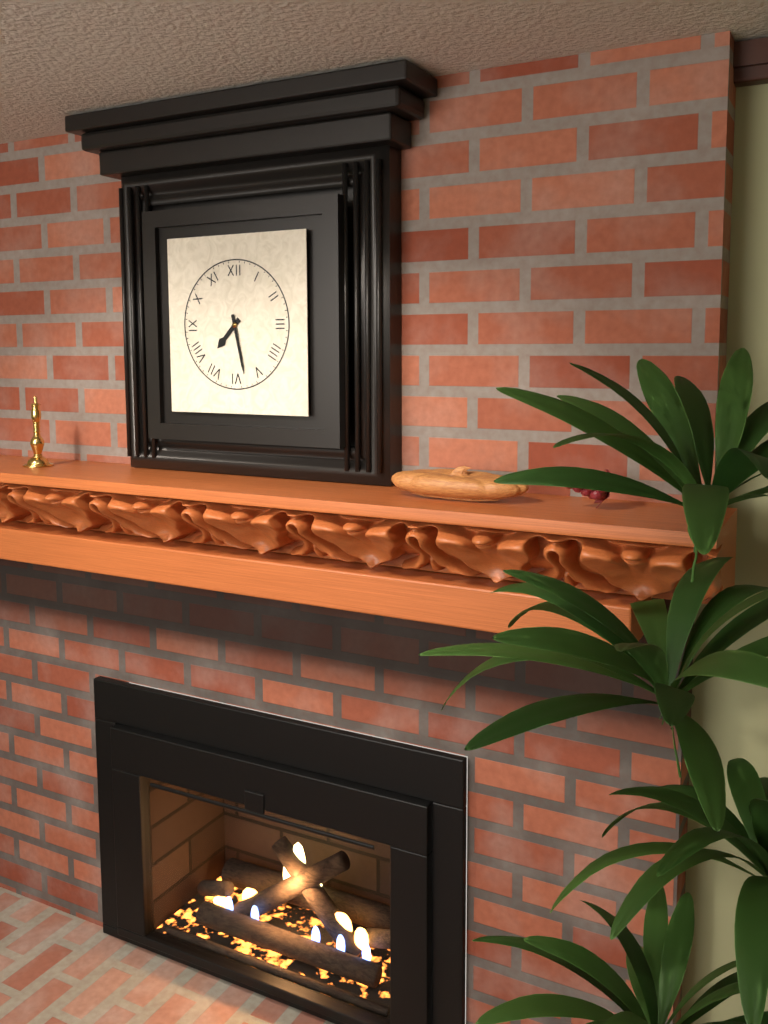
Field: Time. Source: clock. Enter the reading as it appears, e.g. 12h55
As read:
7h28
